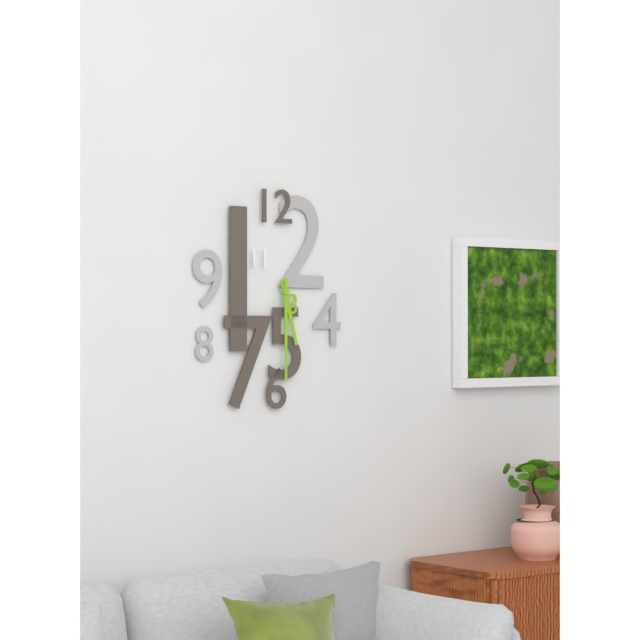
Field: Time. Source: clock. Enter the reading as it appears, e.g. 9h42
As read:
5h30
